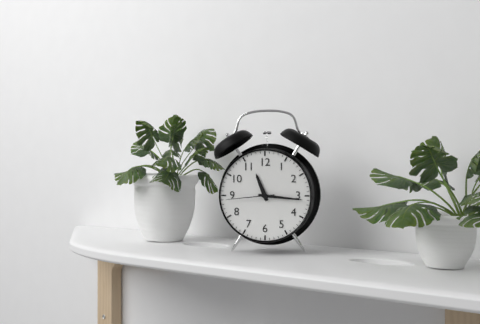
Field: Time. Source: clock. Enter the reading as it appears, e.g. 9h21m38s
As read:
11h16m44s
